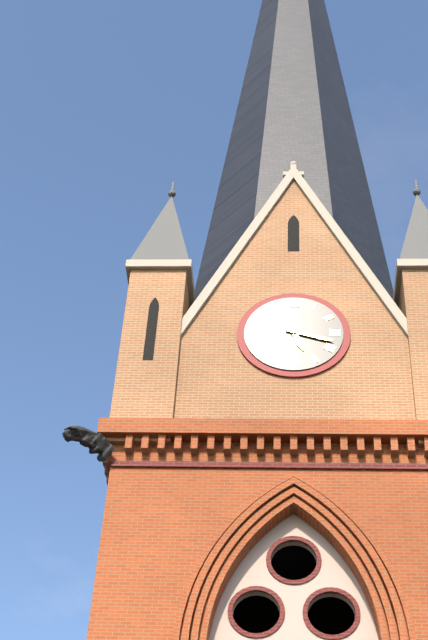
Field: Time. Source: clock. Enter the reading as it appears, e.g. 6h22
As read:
5h18
